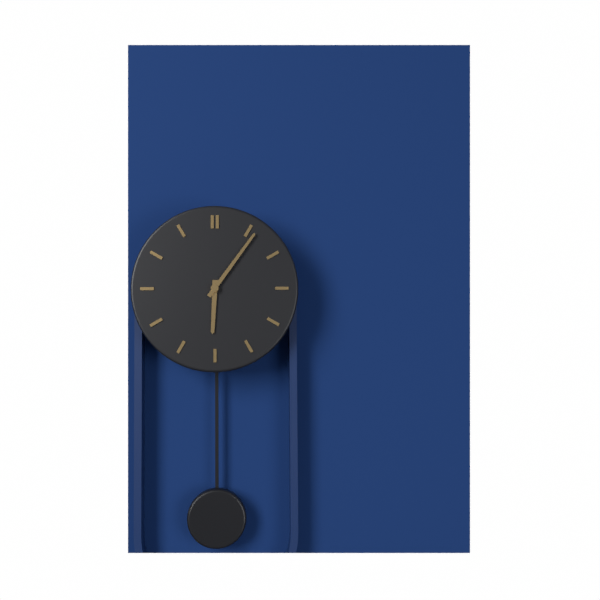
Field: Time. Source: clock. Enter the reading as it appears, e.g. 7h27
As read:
6h06
